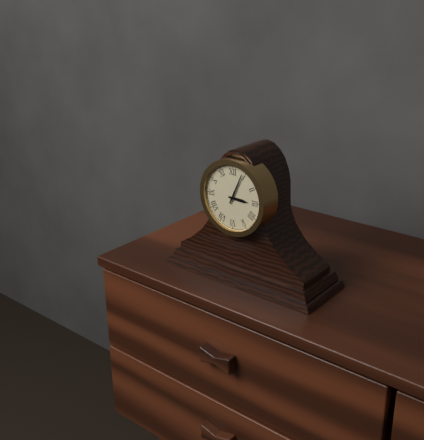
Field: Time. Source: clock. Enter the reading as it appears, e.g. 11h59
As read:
3h04
